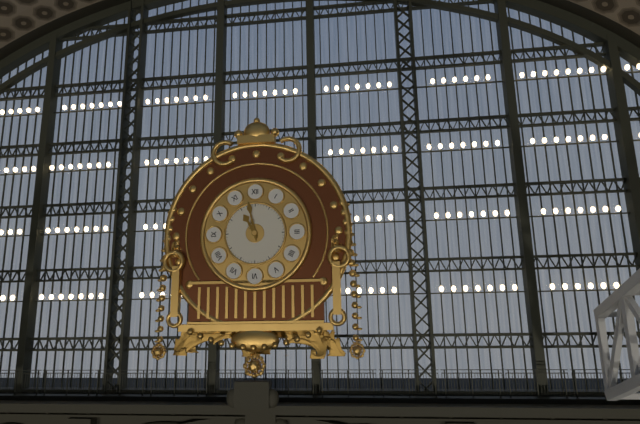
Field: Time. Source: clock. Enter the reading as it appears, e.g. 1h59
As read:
10h58
